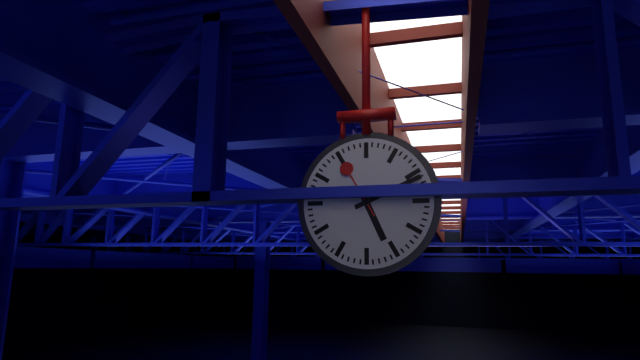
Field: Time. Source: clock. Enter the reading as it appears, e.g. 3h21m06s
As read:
5h11m55s
